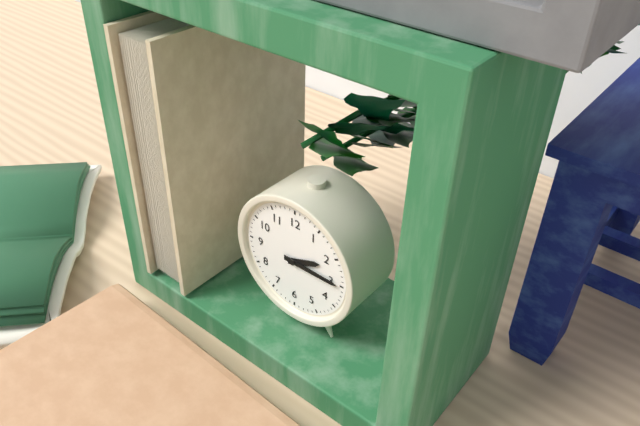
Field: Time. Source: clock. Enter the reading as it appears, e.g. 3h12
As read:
2h15
